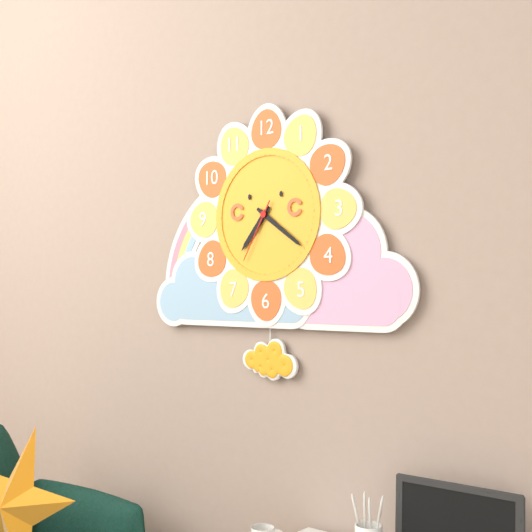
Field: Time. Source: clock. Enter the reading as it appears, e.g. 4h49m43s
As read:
7h21m35s
